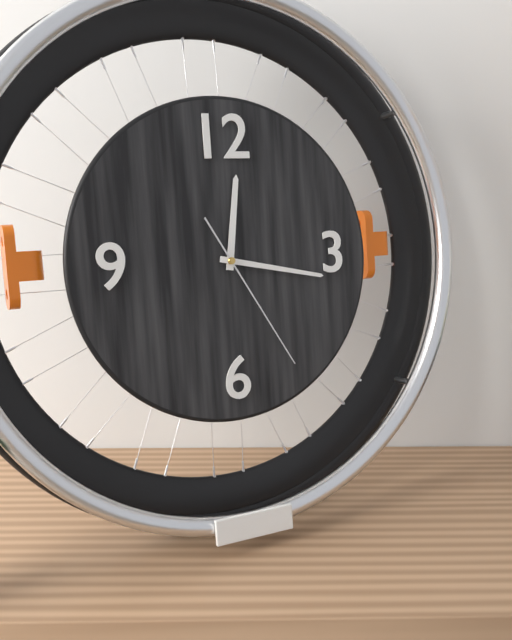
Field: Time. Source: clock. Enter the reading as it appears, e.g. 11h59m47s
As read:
12h17m25s
